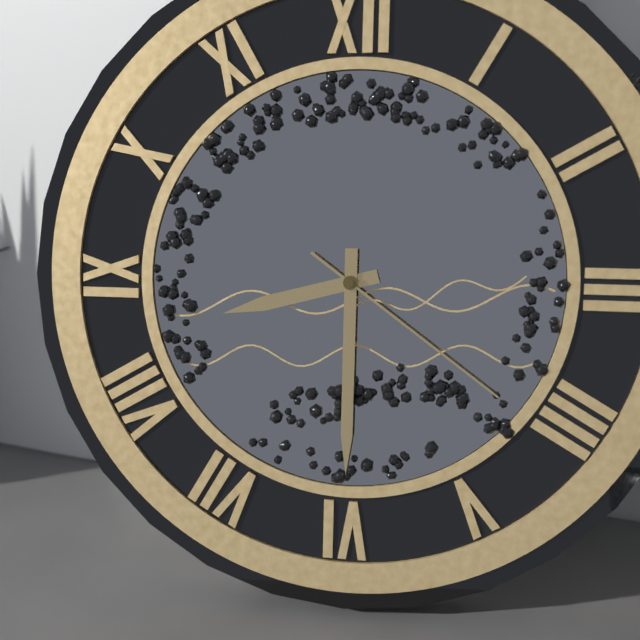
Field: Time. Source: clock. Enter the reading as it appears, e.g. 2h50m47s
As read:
8h30m21s
